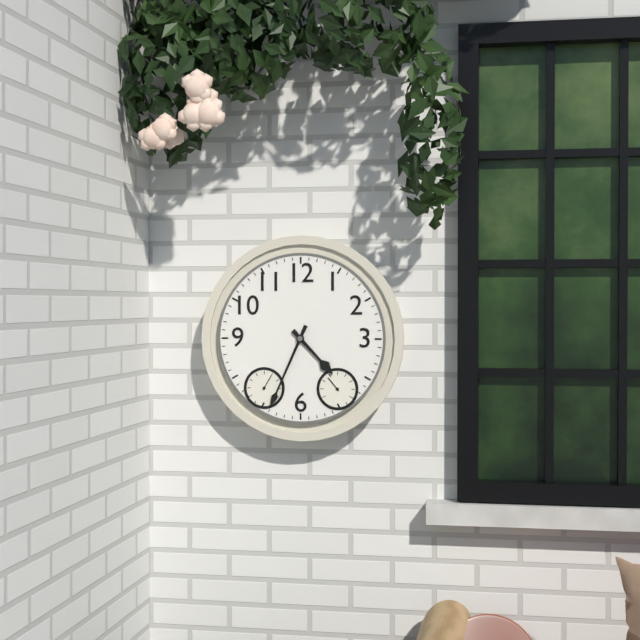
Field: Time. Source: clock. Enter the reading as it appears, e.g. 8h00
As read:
4h34
